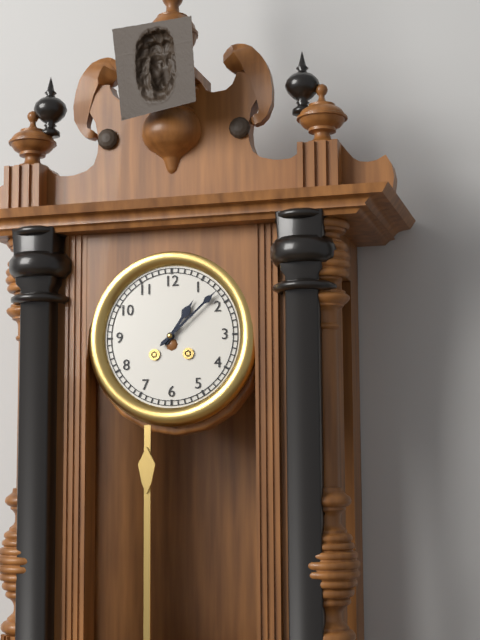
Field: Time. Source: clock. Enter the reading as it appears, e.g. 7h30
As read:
1h08
